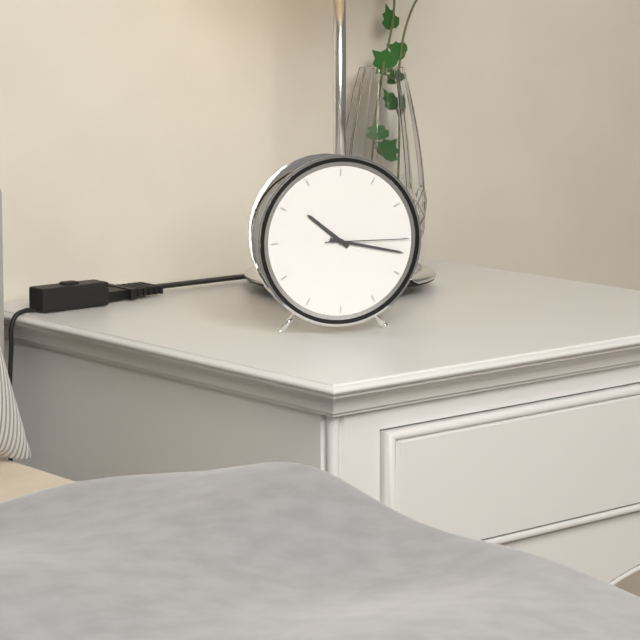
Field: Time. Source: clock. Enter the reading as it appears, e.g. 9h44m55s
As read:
10h17m15s
